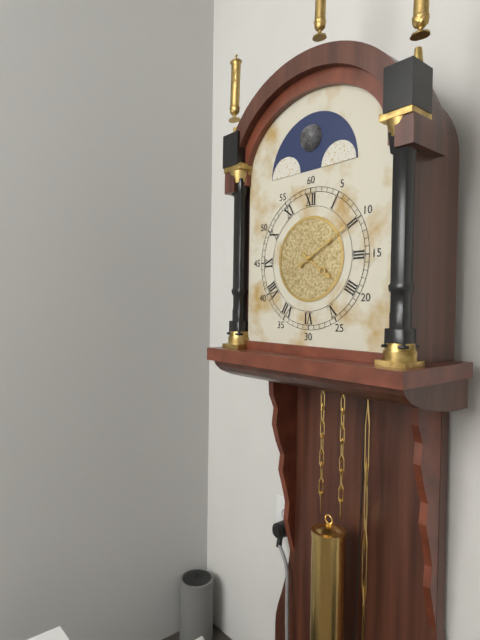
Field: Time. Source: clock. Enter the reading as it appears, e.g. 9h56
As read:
4h10
